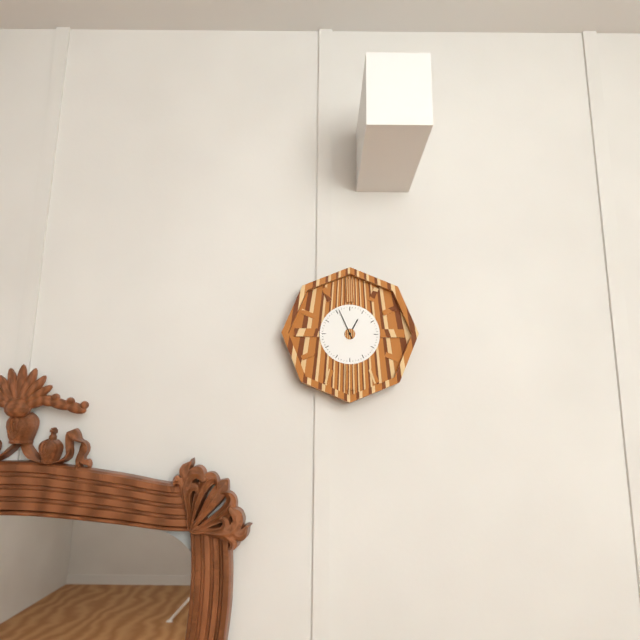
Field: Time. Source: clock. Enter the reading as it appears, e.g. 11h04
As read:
12h56
